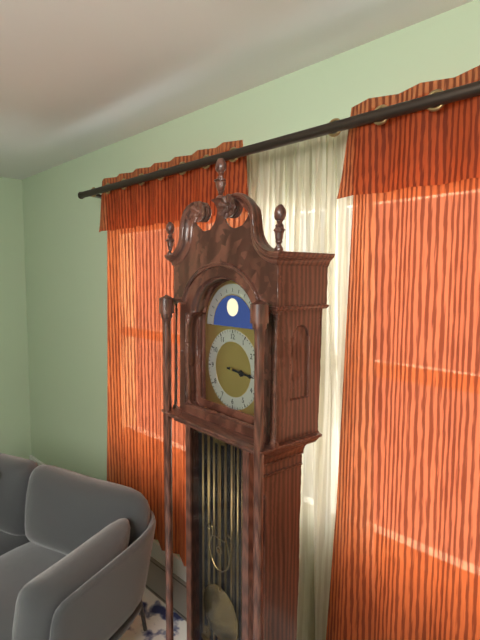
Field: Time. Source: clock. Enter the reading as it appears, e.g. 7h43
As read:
3h16
